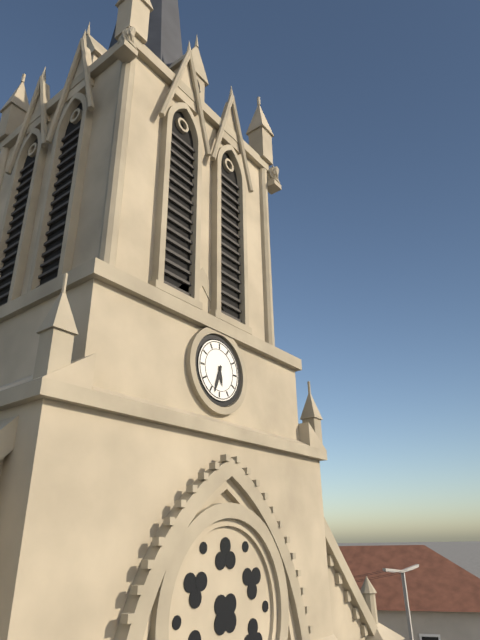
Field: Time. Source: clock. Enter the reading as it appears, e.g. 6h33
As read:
5h33
